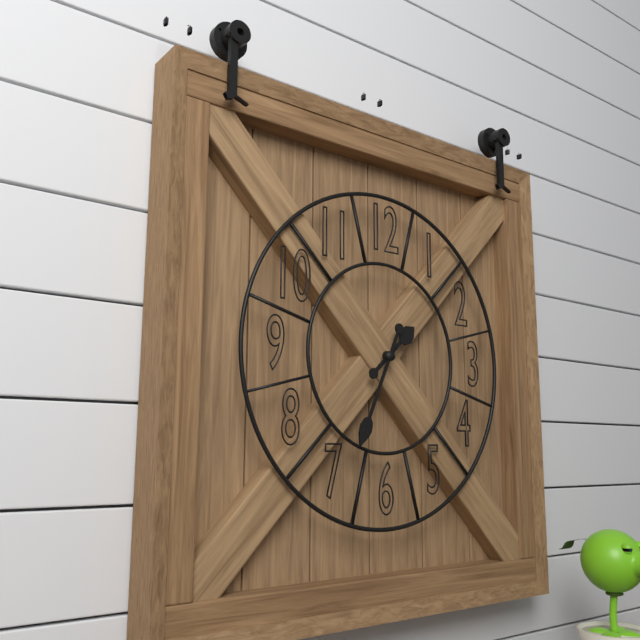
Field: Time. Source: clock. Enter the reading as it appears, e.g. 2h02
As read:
1h34
